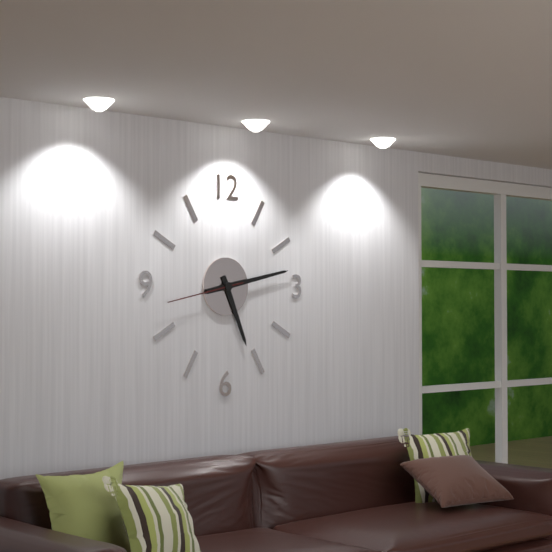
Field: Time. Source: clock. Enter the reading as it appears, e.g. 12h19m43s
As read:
5h13m43s
